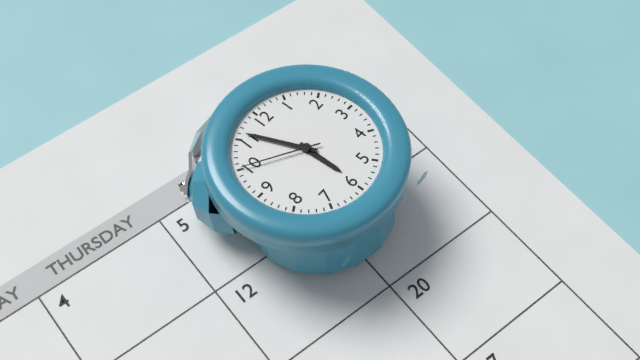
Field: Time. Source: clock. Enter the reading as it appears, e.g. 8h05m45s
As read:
5h56m50s
